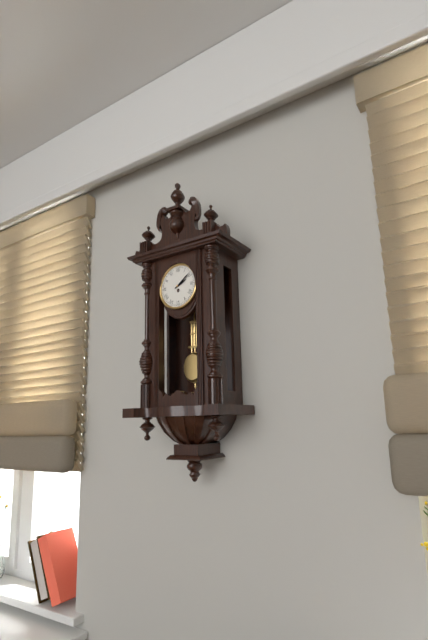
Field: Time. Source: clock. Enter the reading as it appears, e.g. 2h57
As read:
2h09
